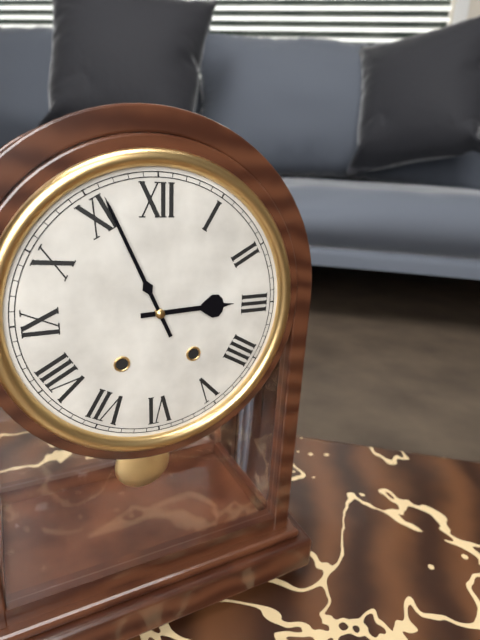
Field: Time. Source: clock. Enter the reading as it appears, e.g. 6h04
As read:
2h56
